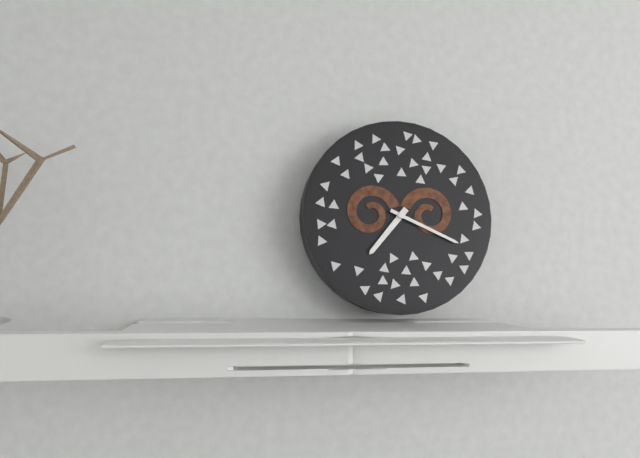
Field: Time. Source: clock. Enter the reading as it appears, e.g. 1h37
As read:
7h19
